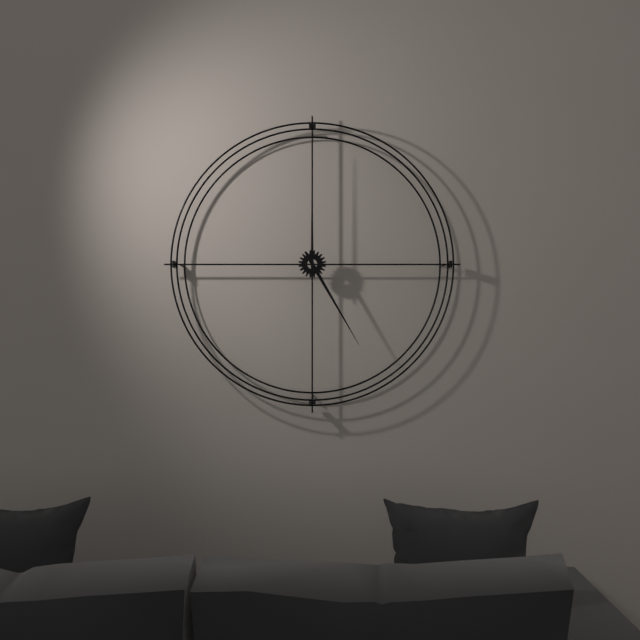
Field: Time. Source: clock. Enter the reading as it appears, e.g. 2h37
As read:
5h00
